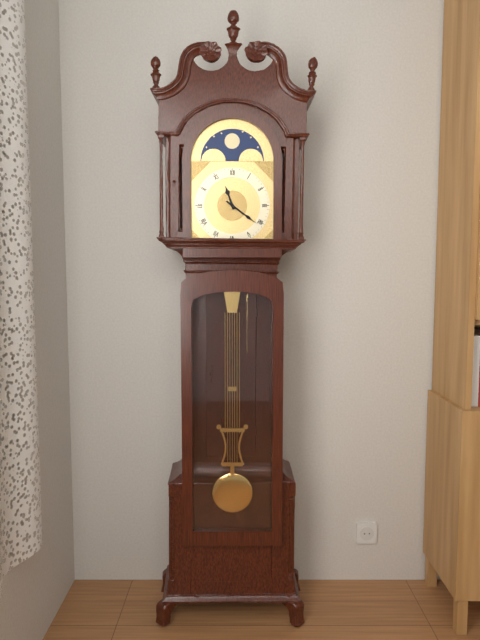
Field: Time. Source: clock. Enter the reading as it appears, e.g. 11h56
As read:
11h21
